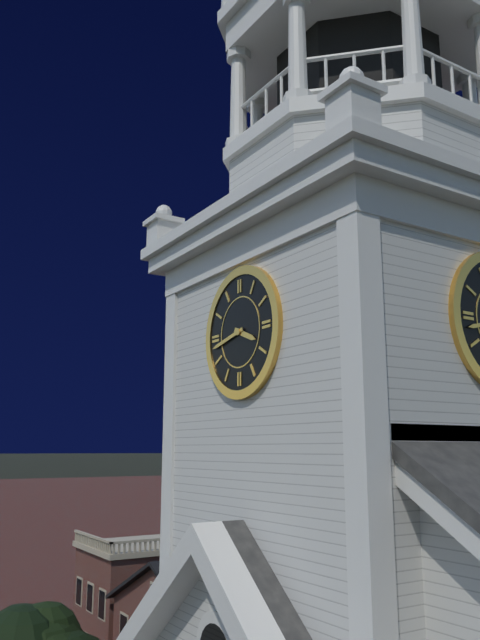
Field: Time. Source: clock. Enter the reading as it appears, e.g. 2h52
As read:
3h43
